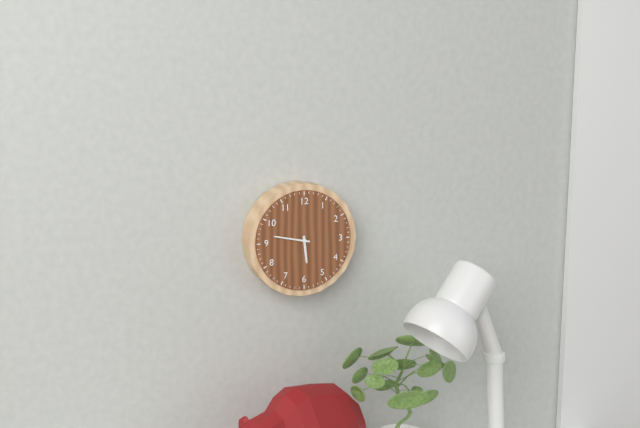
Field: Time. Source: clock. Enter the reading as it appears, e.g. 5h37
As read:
5h47
